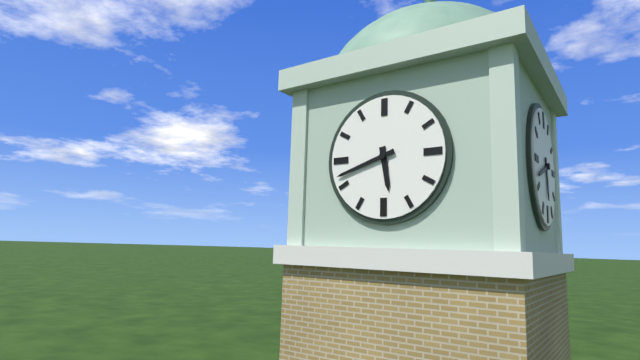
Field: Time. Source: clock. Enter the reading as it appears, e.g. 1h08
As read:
5h42
